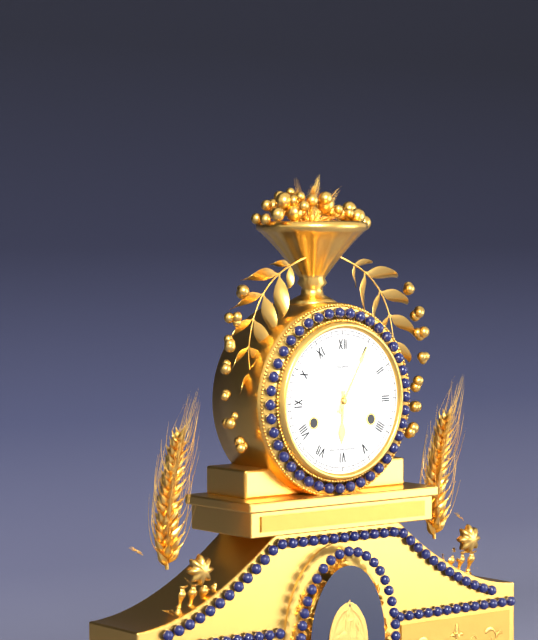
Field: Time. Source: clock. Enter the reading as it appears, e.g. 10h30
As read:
6h05
